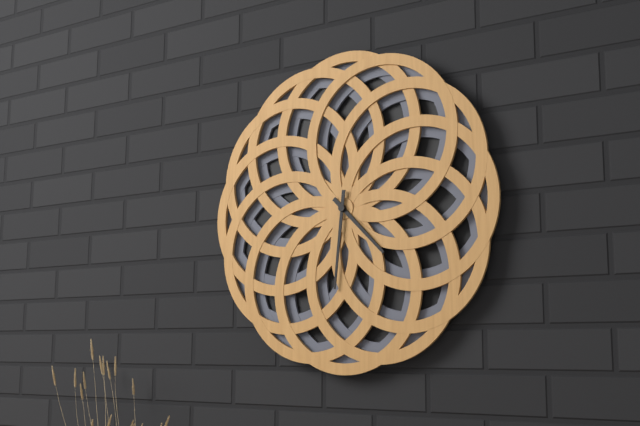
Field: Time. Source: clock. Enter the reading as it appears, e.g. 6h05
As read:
4h31
